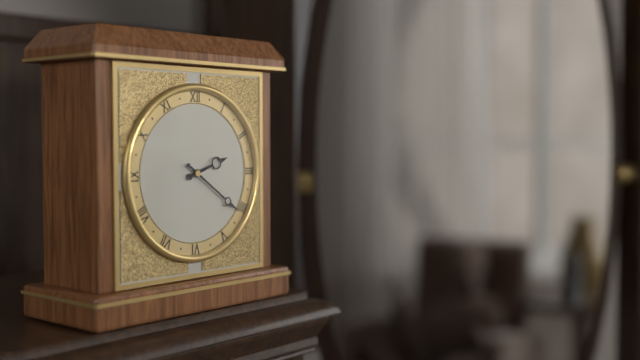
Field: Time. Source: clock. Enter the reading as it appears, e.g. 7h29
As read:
2h21
